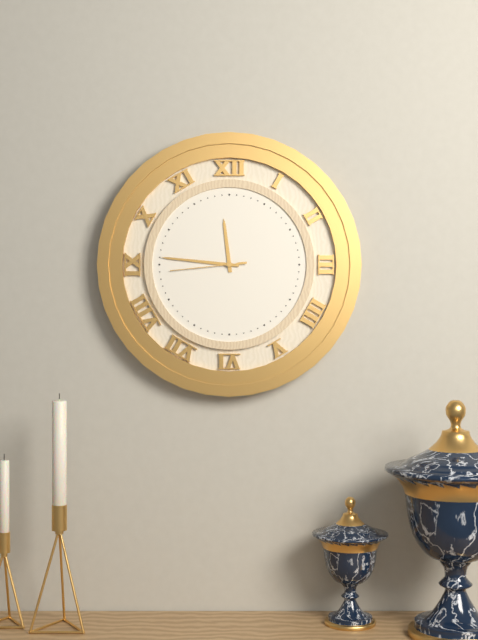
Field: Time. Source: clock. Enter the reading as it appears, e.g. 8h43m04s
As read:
11h46m44s
